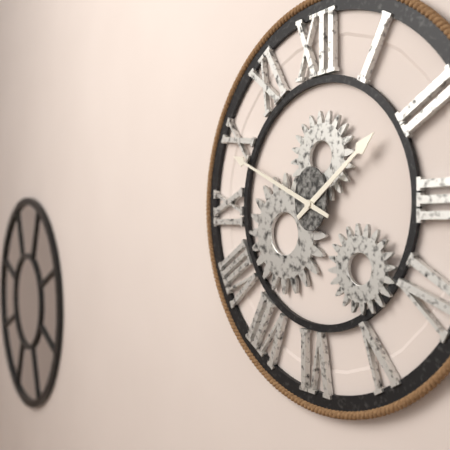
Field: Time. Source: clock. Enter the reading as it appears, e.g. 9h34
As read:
1h49
